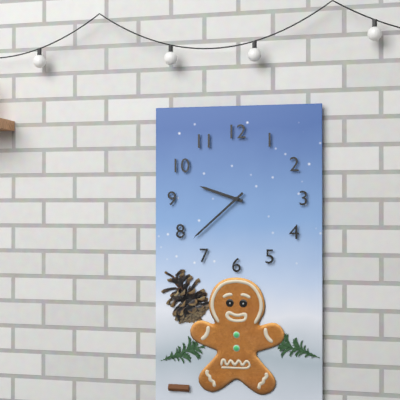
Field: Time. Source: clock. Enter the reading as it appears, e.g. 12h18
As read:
9h38
